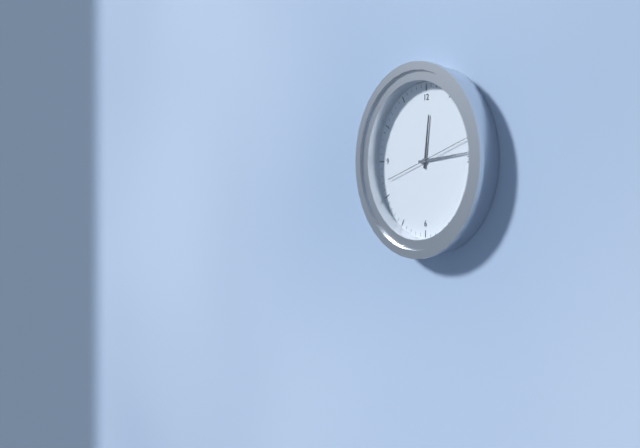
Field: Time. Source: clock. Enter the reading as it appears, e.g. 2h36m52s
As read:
12h14m12s
